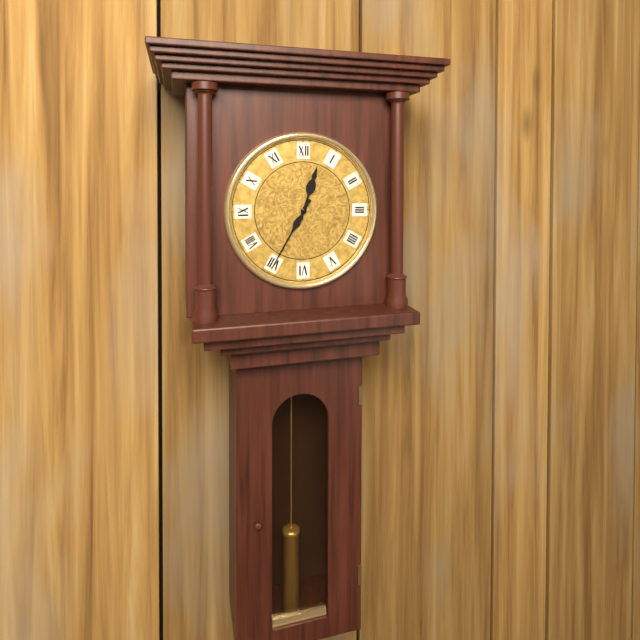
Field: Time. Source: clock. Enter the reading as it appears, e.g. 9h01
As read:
12h35
